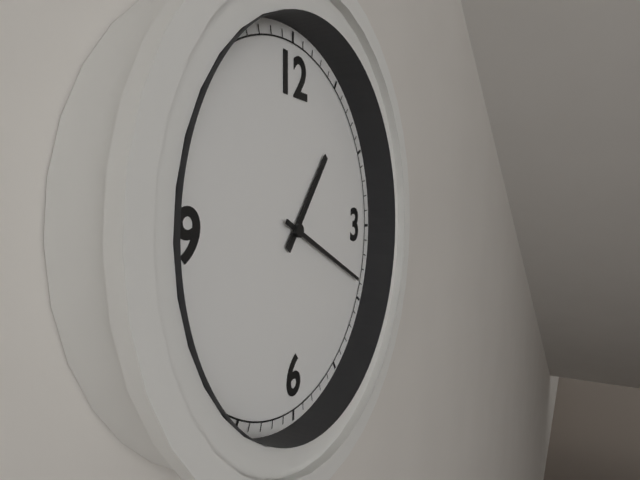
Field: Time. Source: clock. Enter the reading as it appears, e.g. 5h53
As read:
1h19
